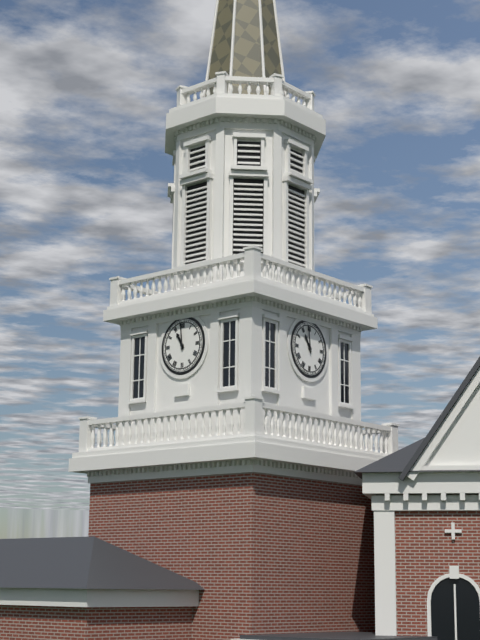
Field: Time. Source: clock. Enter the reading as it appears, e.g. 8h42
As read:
10h59
